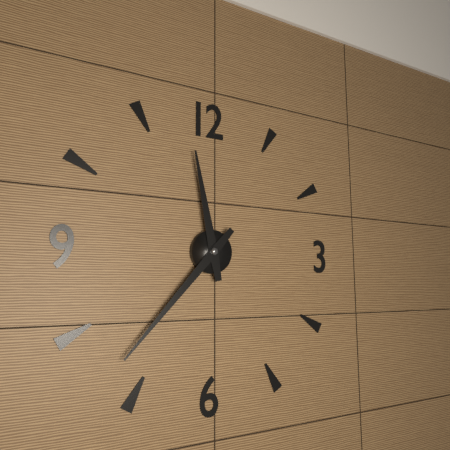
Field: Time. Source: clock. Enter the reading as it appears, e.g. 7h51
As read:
11h37
